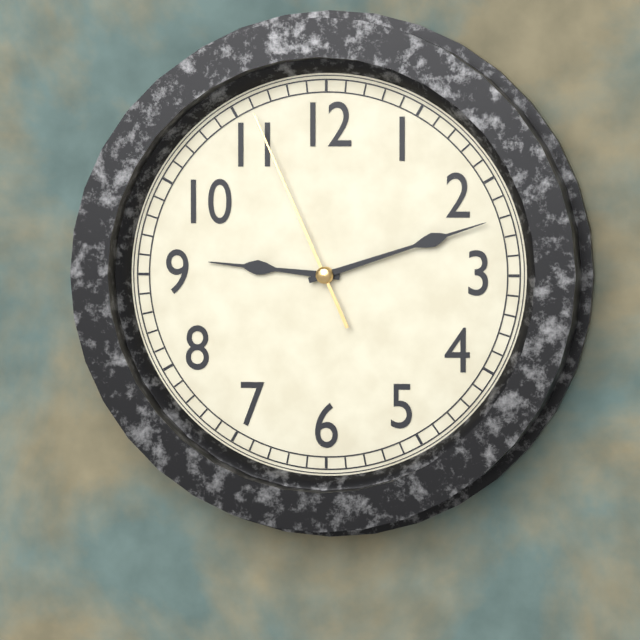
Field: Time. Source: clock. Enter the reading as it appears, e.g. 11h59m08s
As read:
9h12m56s
